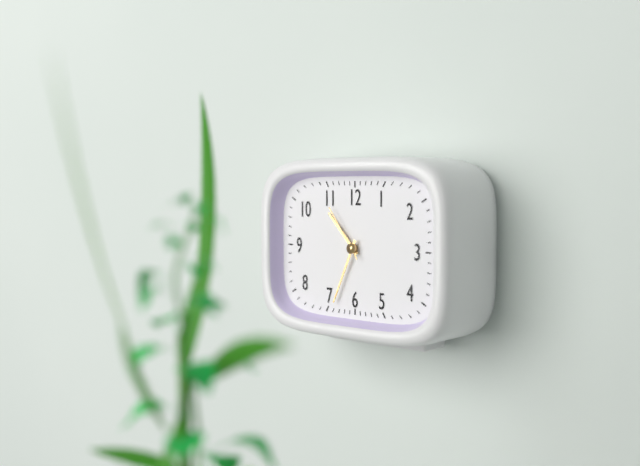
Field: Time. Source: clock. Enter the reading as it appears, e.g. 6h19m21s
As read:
10h34m54s
